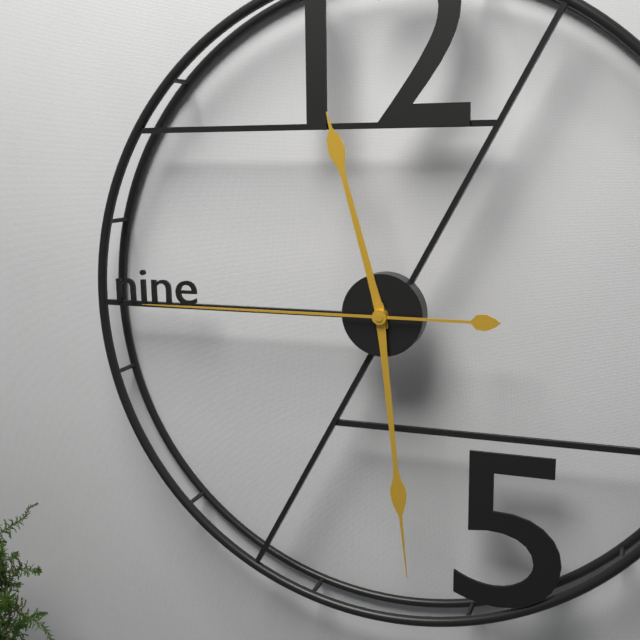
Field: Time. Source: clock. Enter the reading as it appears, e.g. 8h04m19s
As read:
11h29m45s
